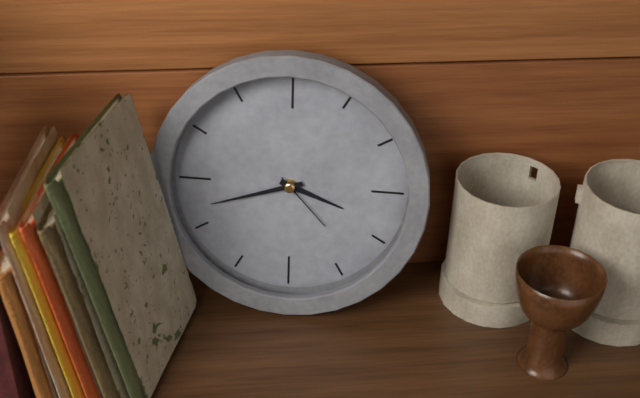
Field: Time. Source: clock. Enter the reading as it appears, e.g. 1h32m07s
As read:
3h42m23s
